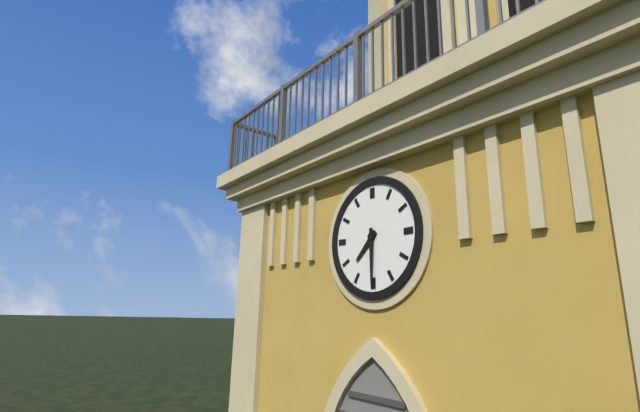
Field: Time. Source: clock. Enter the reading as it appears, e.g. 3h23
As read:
7h30
